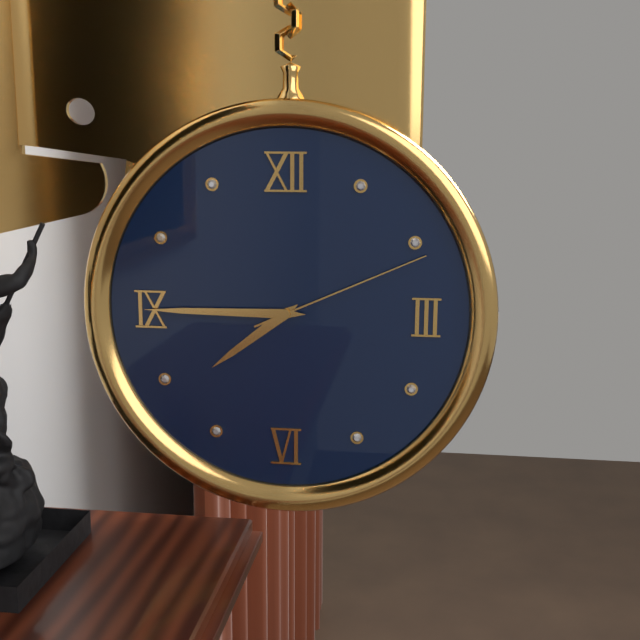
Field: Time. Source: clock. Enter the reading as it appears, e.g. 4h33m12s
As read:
7h45m11s
